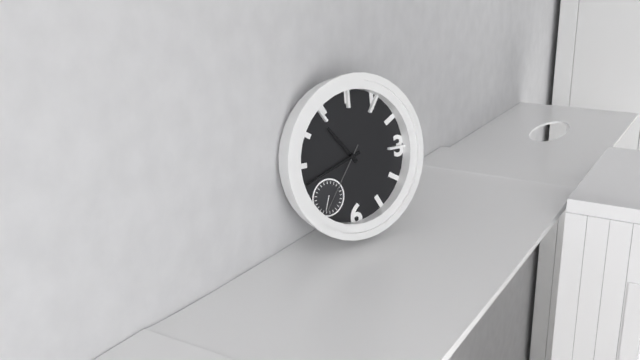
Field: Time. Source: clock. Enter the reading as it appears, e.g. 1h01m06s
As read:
10h42m36s
